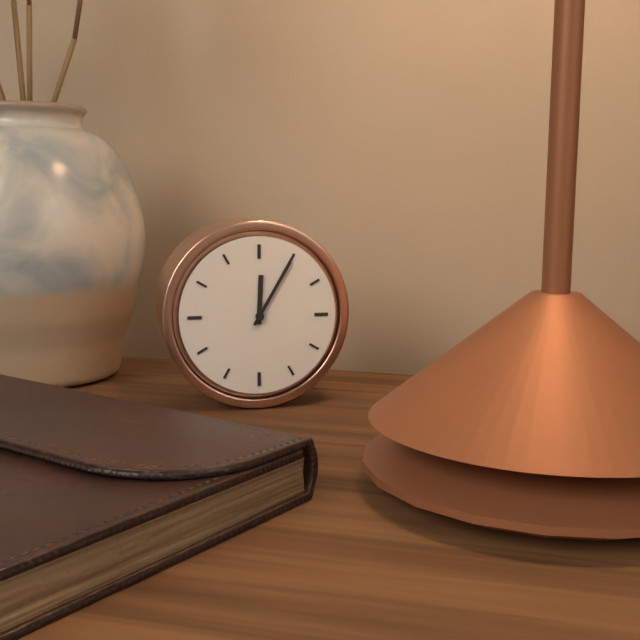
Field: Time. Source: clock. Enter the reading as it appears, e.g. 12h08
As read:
12h05
